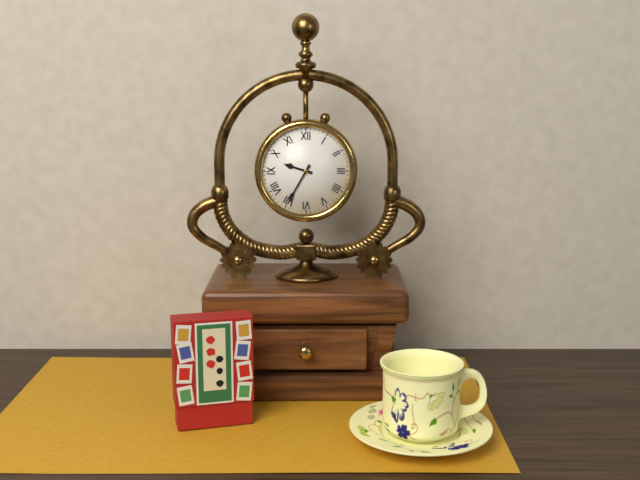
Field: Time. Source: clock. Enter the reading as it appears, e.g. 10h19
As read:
9h35
